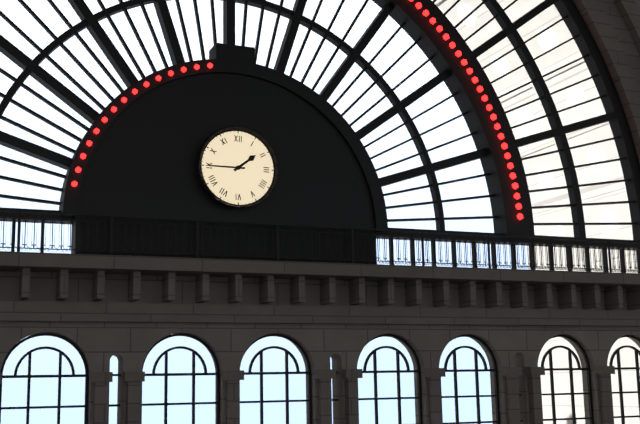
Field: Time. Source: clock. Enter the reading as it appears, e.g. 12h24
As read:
1h45
